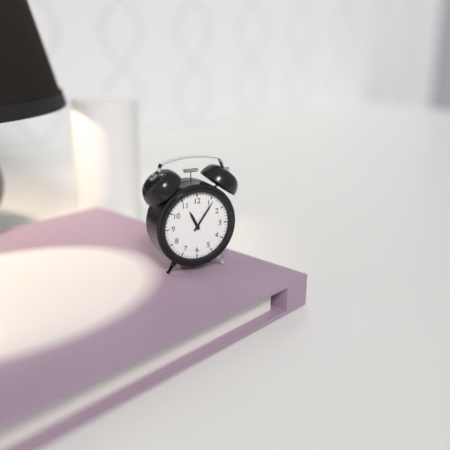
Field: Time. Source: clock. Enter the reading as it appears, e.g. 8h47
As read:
11h06
